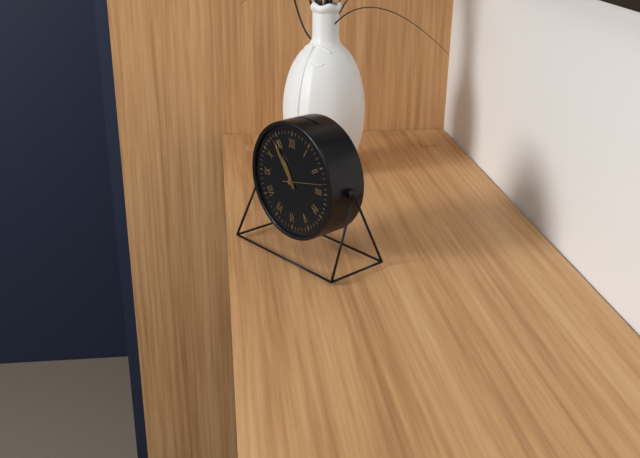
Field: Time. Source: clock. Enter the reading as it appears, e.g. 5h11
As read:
10h54
